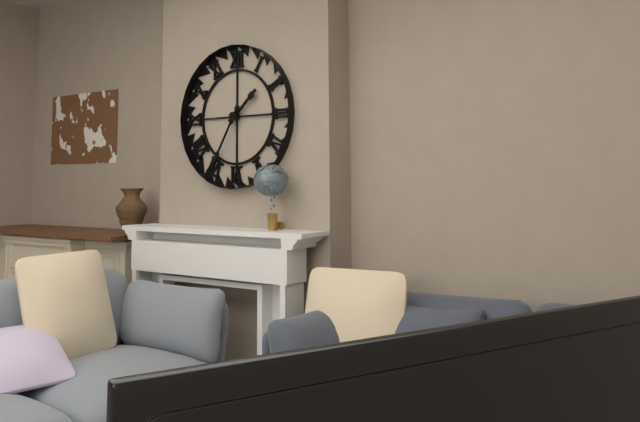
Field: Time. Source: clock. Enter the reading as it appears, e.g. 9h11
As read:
1h35
